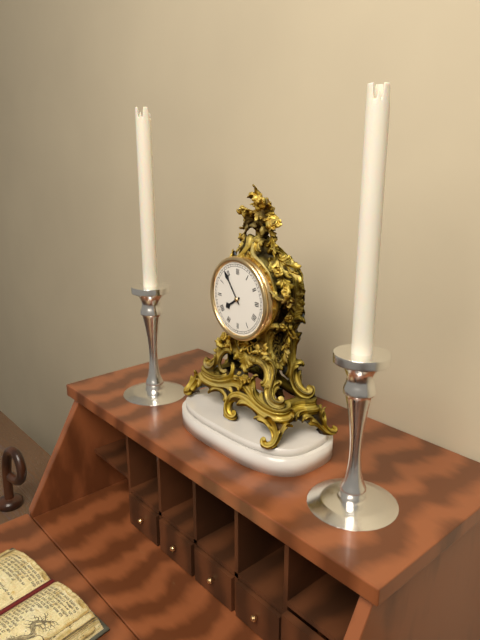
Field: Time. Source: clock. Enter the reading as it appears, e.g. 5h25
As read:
7h54
